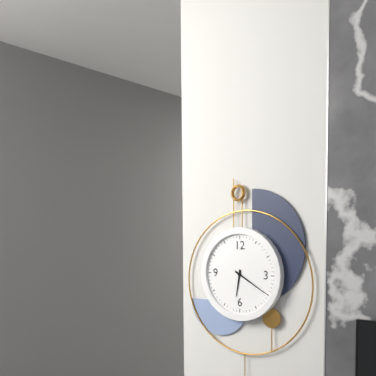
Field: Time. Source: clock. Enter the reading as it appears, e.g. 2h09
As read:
6h20
